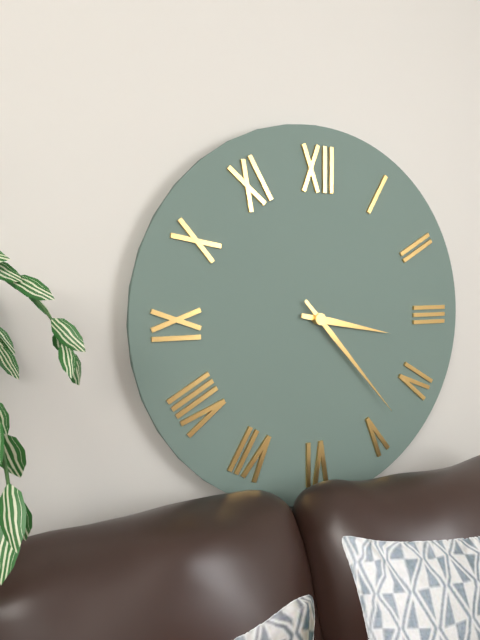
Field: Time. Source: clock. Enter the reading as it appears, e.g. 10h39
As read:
3h23
